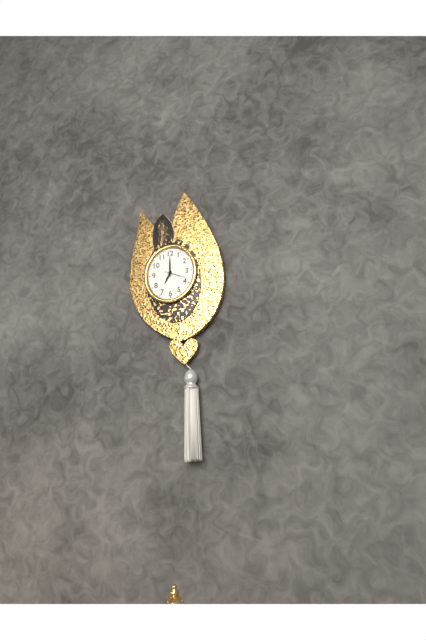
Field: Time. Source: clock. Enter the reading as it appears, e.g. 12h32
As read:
7h00
